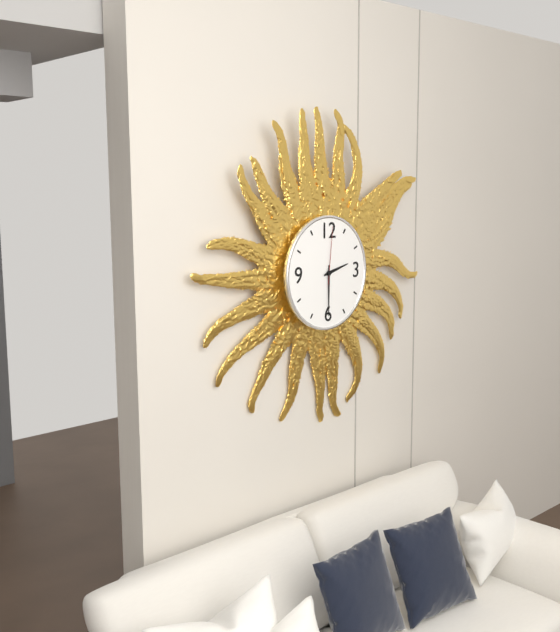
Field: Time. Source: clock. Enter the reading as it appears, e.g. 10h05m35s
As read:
2h30m01s
